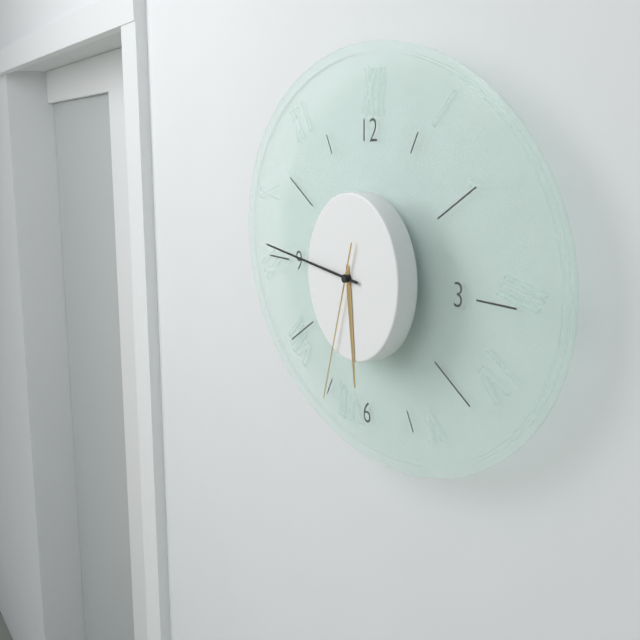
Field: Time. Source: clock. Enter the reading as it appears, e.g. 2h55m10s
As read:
5h46m33s
